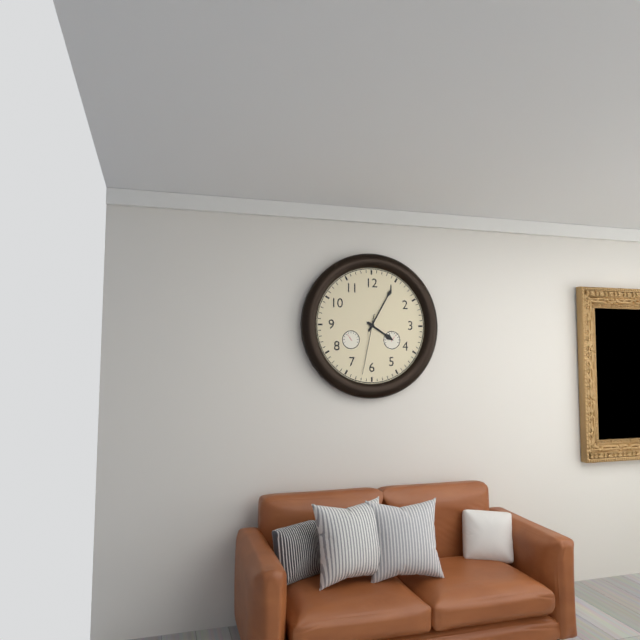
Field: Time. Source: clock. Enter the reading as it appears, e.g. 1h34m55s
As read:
4h05m32s
